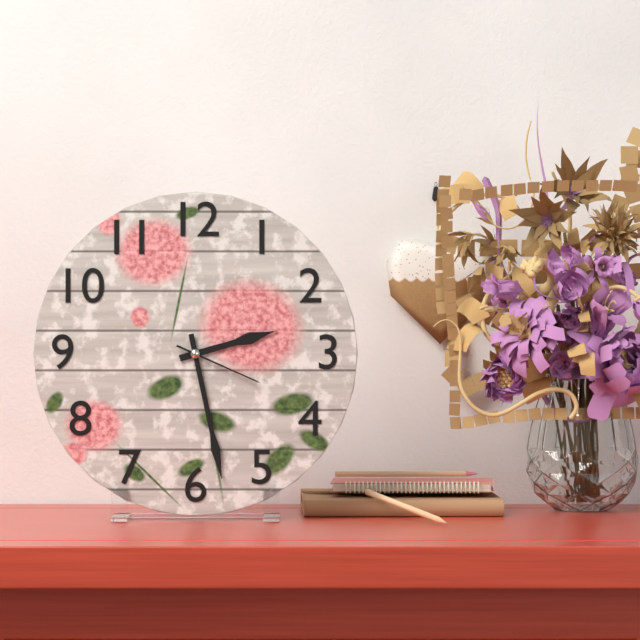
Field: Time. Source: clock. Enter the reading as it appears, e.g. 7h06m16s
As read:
2h28m19s
